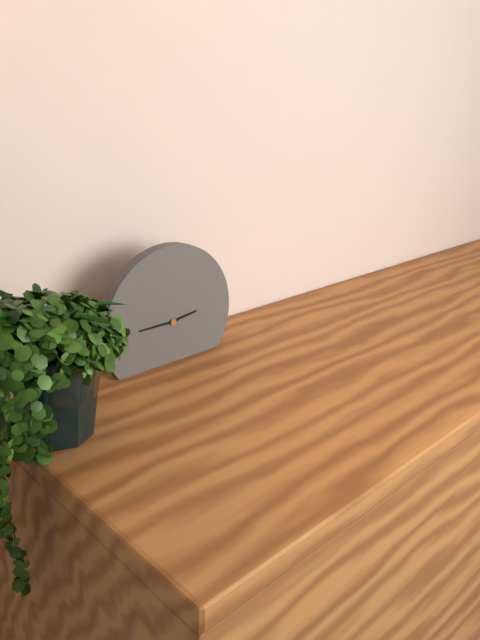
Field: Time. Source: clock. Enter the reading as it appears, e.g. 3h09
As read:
2h45
